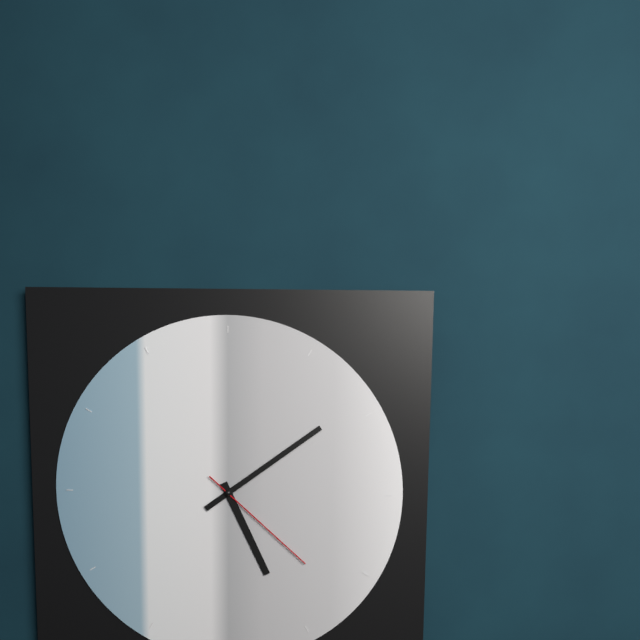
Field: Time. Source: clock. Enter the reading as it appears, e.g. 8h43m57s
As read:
5h09m22s
